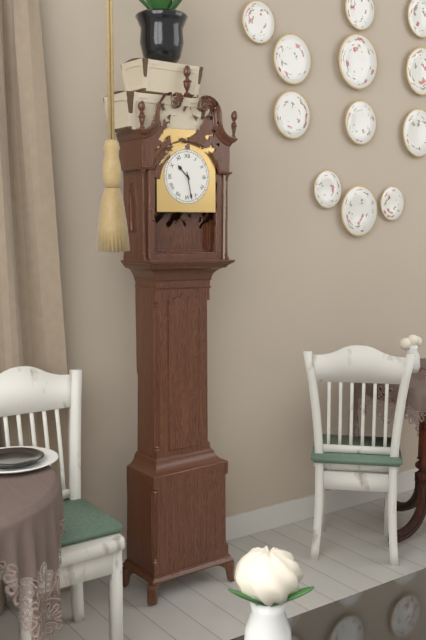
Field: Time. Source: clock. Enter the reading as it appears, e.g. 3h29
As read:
10h28
